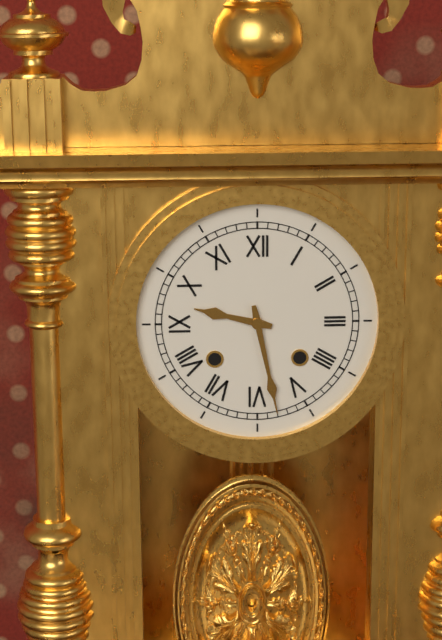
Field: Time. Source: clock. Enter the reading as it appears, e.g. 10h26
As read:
9h28
